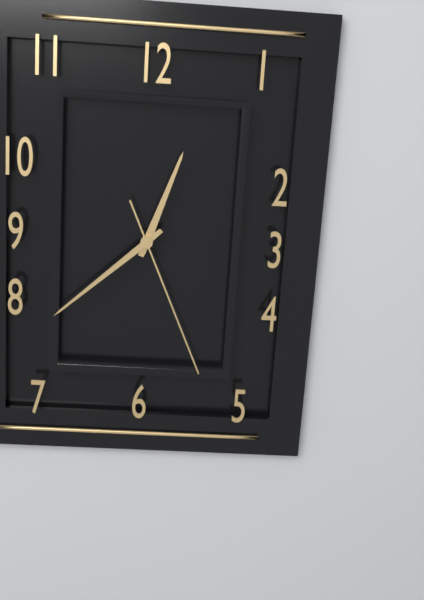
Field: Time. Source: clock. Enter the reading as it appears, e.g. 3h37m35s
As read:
12h38m26s
